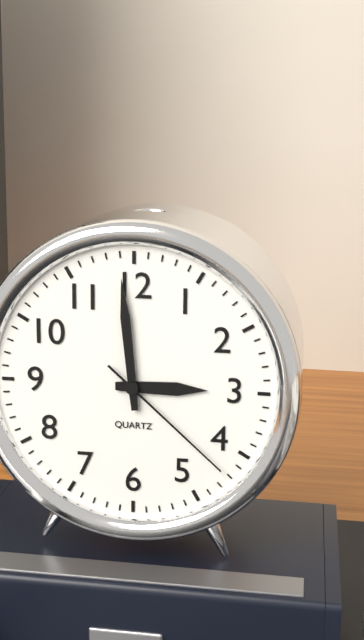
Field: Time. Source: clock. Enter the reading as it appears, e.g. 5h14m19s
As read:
2h59m22s
